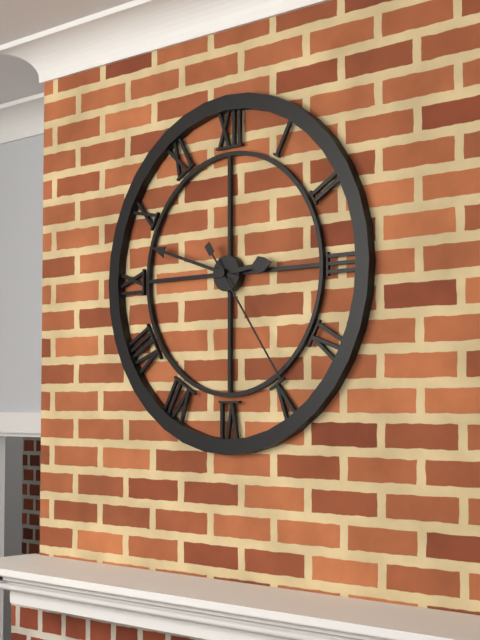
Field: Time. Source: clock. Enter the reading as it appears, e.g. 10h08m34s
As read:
2h48m24s
